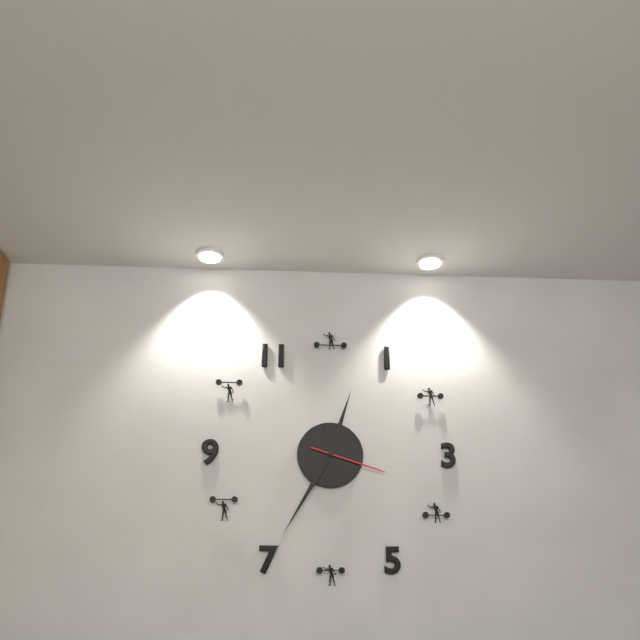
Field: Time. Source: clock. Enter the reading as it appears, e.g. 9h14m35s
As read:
12h35m18s
